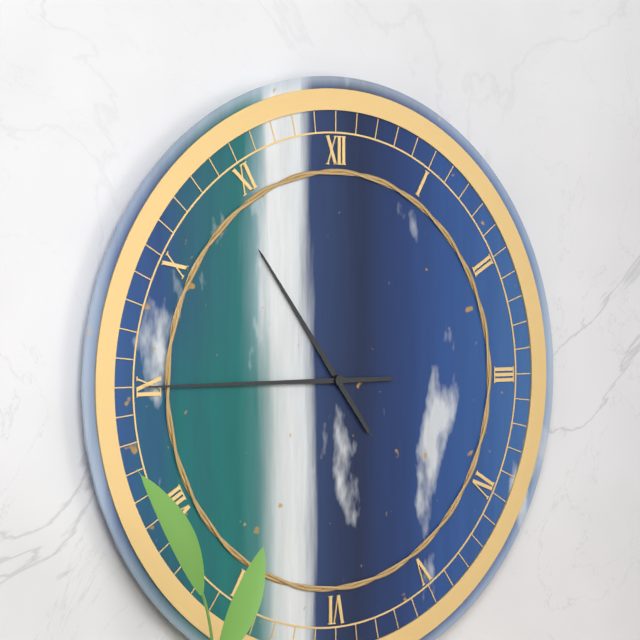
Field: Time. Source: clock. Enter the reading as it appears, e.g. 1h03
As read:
10h45
